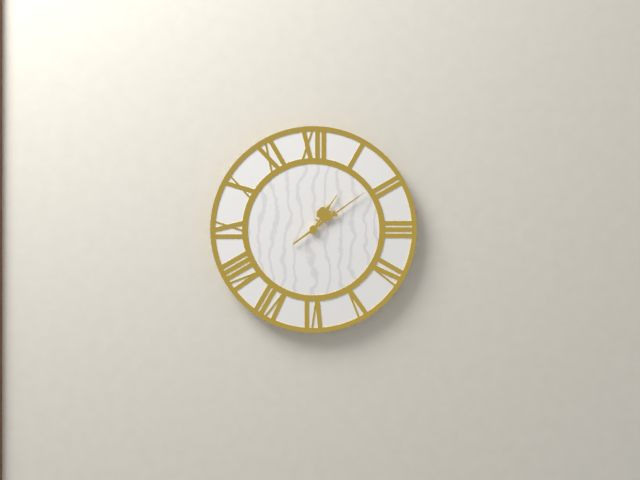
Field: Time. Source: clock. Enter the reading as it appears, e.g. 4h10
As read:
1h09
